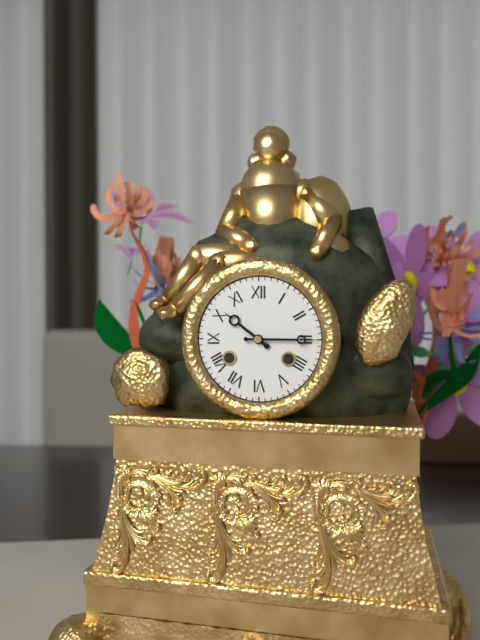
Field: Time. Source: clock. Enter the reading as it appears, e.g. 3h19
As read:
10h15
